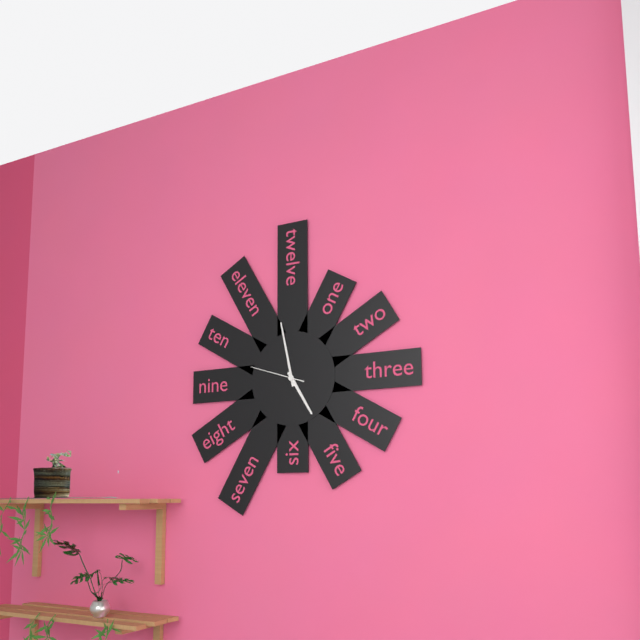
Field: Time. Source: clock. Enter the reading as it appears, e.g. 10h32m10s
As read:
4h58m48s
